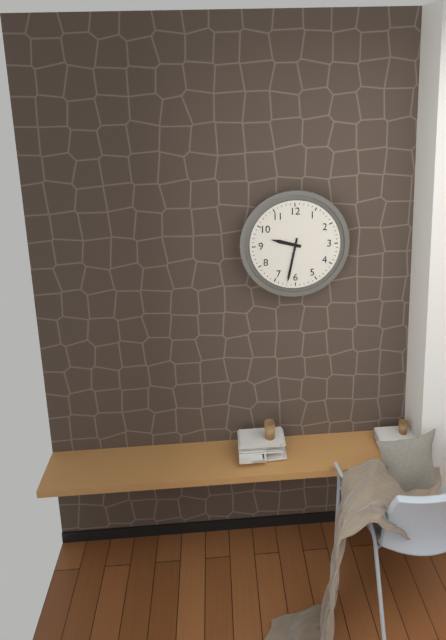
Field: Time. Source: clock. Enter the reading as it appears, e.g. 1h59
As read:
9h32
